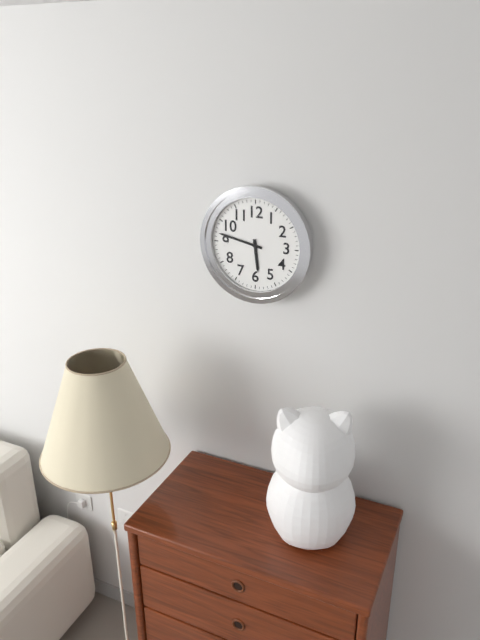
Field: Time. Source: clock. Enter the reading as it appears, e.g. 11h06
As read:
5h47
